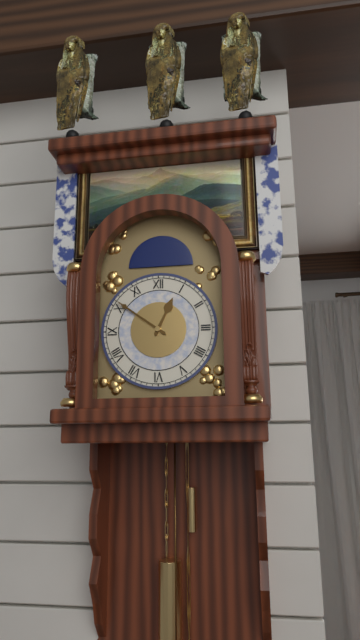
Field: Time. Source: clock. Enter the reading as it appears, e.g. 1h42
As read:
12h51
